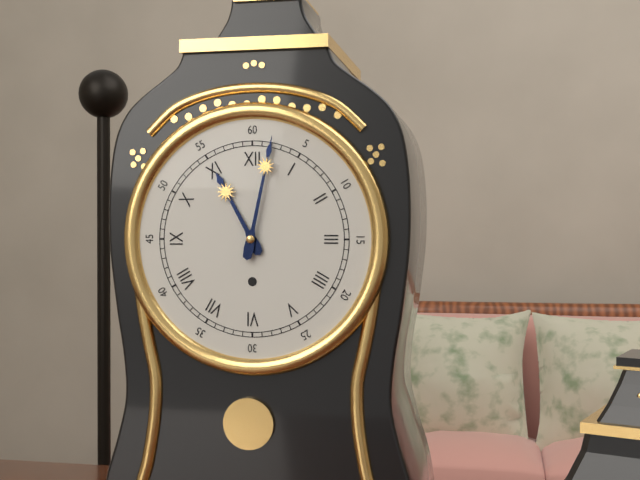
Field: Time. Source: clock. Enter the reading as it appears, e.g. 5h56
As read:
11h02
